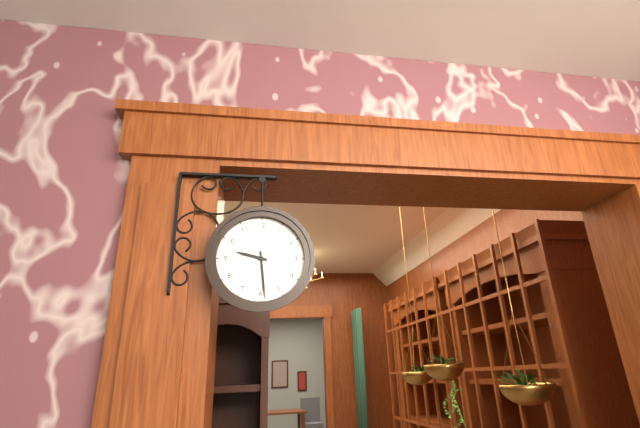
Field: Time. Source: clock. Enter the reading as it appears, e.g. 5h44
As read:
9h29
